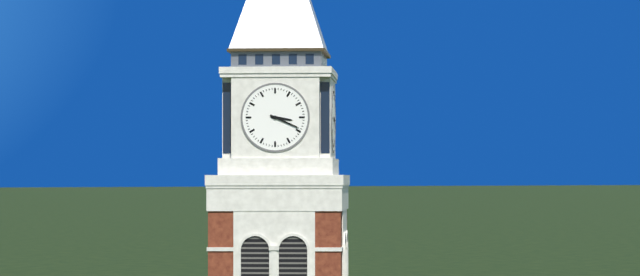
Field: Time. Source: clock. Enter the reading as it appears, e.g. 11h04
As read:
3h19
